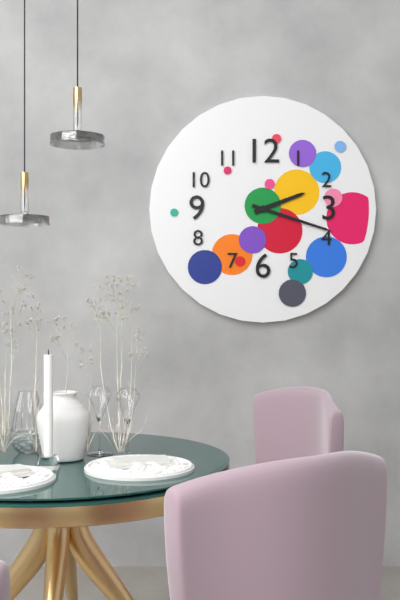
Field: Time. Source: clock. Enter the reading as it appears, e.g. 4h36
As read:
2h18
